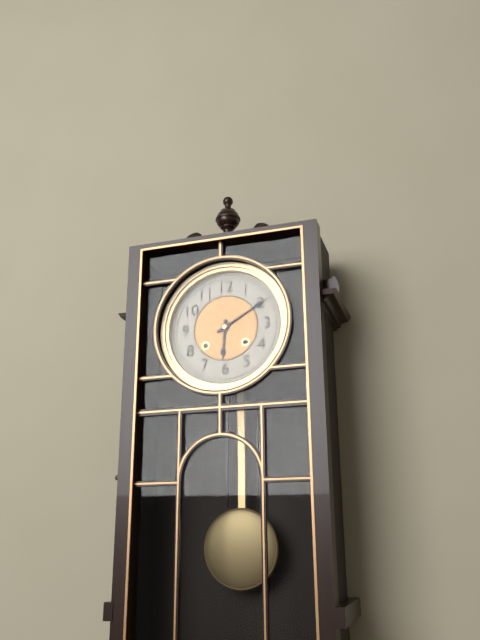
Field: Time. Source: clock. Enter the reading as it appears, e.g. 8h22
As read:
6h10
